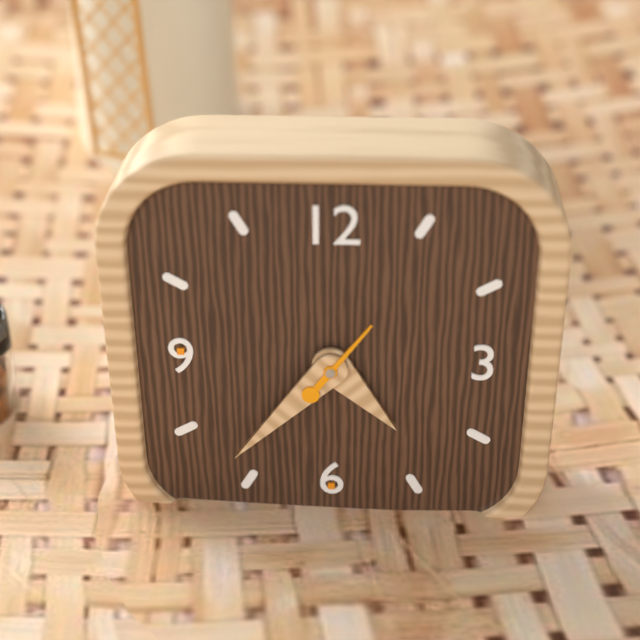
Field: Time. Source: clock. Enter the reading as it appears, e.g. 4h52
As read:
4h37
